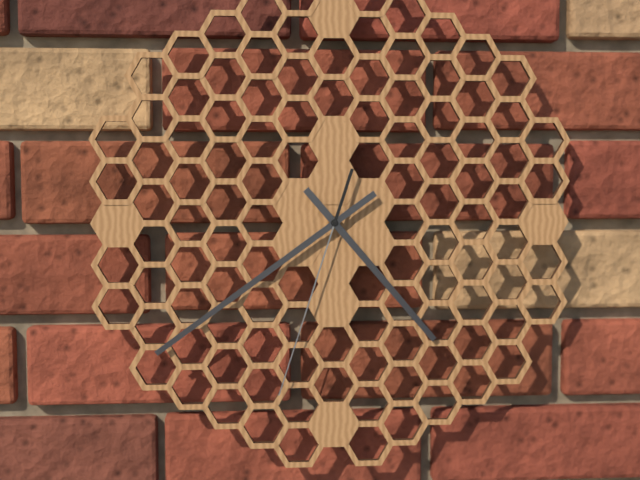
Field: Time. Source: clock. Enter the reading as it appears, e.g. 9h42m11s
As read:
4h39m33s
